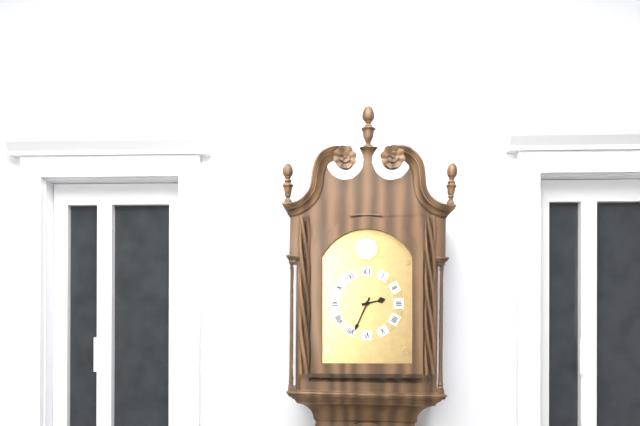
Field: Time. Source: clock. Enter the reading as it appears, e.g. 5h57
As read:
2h34
